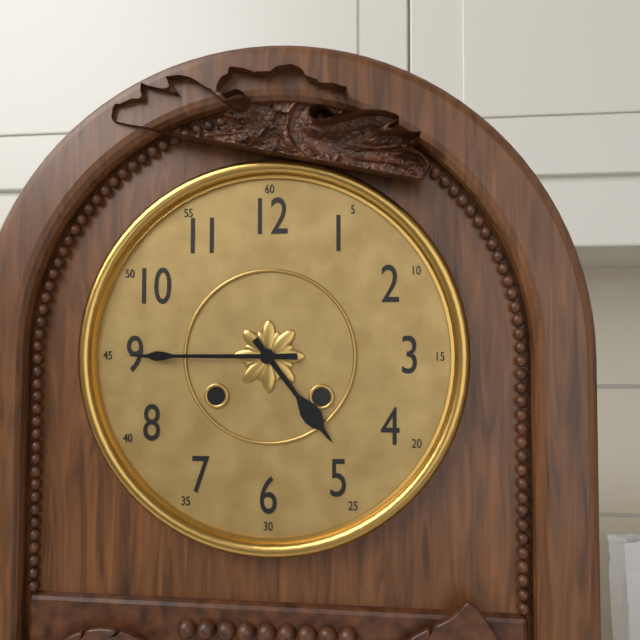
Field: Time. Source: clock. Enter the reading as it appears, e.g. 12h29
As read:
4h45
